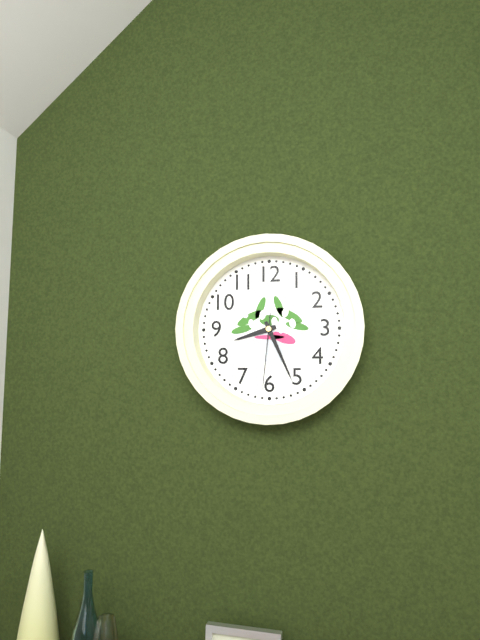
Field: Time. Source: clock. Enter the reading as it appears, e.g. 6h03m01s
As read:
8h26m31s
